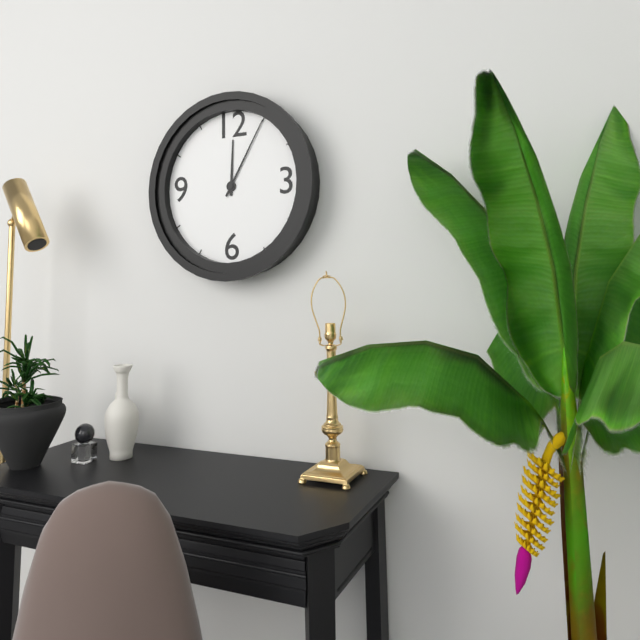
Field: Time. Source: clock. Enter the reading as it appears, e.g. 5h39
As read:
12h05
